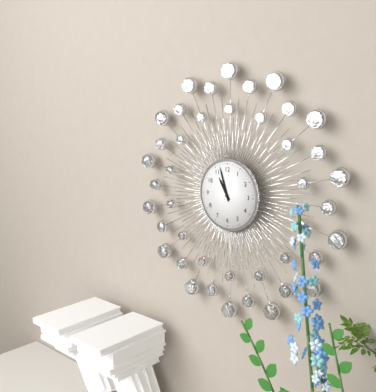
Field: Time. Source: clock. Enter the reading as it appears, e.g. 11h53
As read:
10h57
